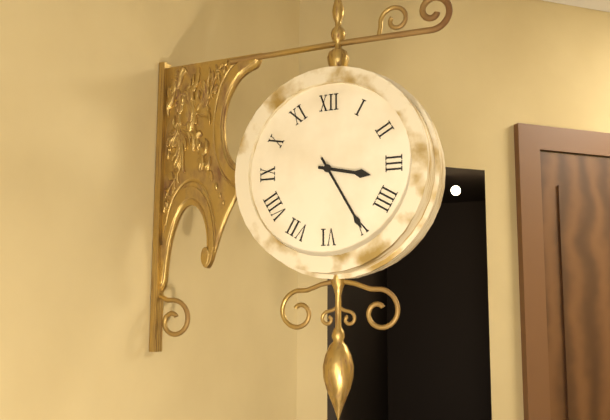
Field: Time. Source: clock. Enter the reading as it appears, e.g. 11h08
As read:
3h25
